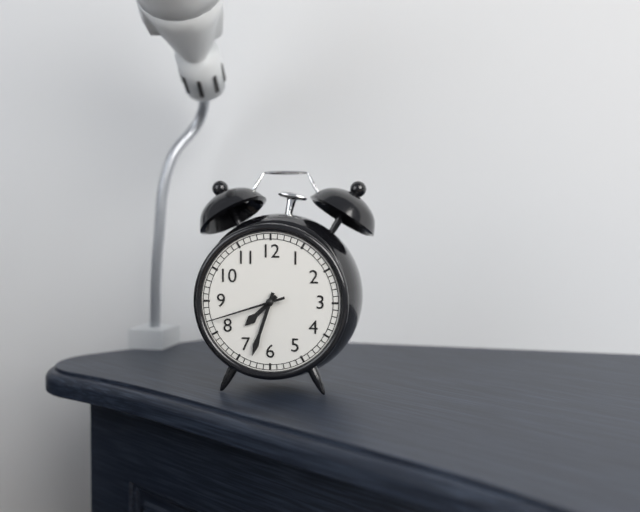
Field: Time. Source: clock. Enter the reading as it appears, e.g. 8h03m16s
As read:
7h33m42s
